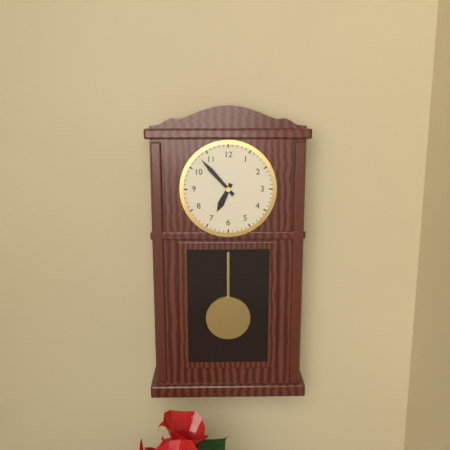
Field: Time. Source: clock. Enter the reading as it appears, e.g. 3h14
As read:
6h53
